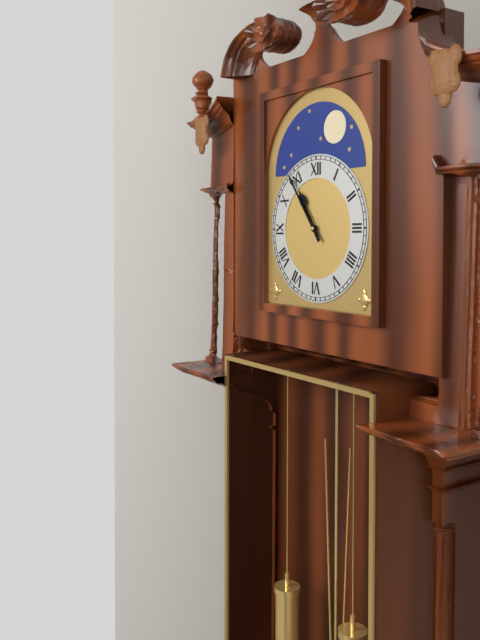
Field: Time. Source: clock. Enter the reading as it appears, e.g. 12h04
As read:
10h54
